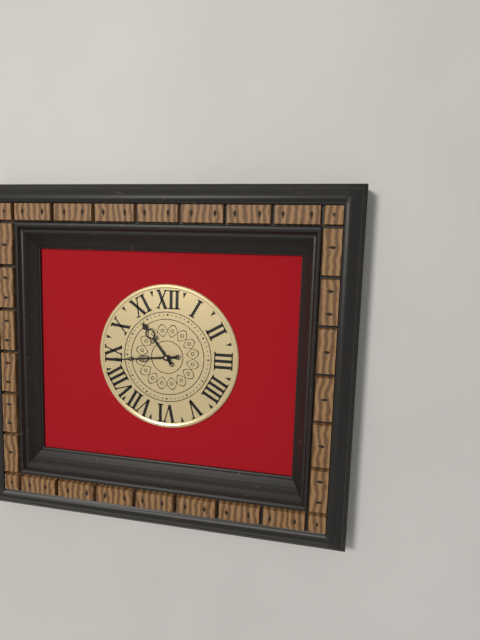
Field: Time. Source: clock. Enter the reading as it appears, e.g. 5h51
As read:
10h44
